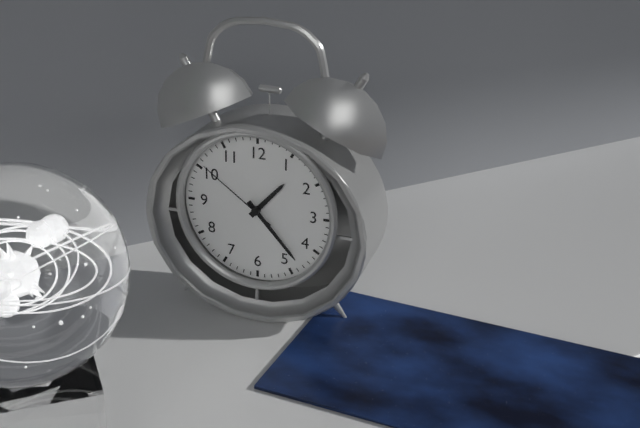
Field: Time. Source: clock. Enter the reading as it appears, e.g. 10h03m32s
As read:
1h23m51s
